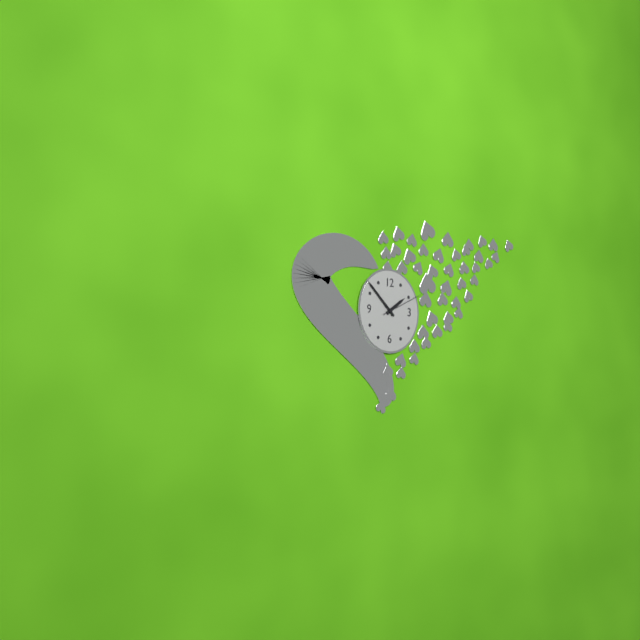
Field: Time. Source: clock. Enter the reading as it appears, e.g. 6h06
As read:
1h52
